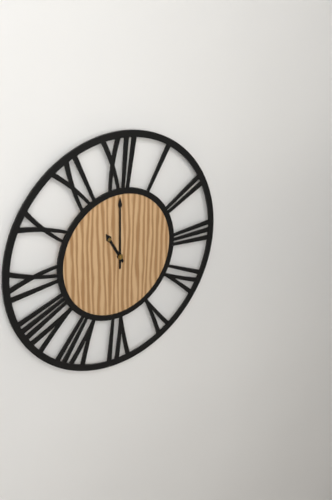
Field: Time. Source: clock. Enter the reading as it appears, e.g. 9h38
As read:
11h00
